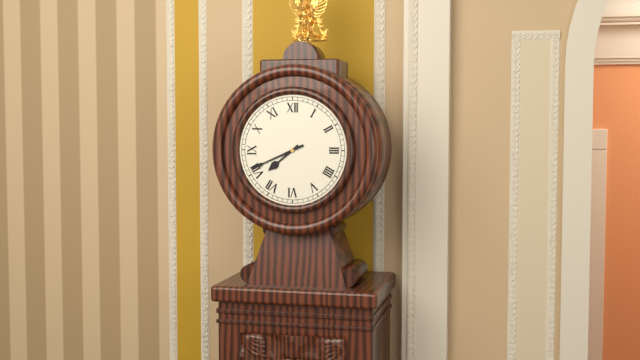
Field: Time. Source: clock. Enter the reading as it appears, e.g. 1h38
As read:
7h41
